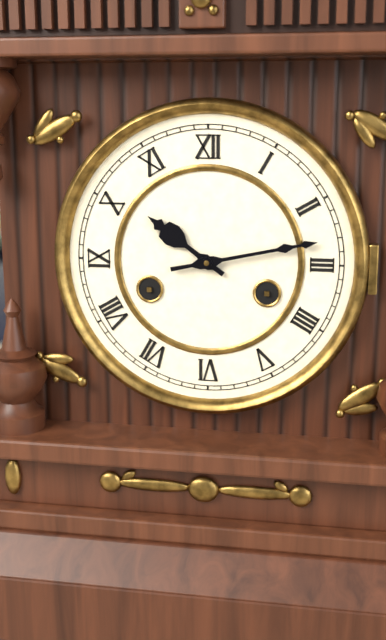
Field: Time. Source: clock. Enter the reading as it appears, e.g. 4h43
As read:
10h13
